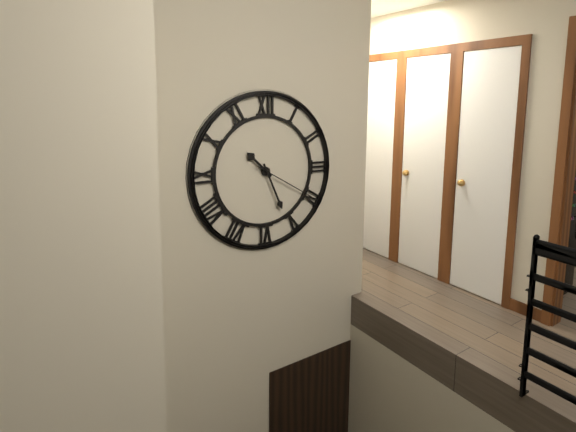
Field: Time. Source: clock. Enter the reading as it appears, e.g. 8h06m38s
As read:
10h26m20s
